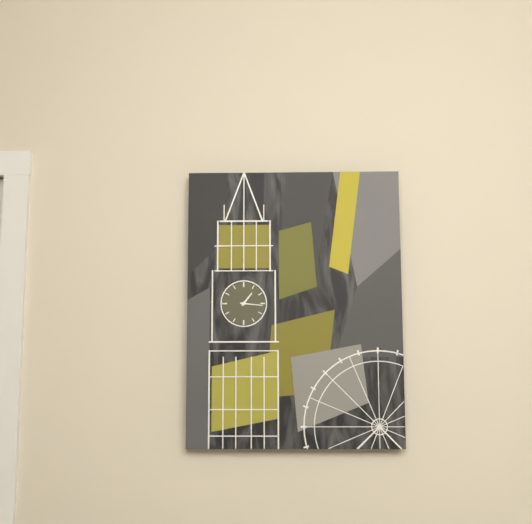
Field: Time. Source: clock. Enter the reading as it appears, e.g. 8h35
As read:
1h16
